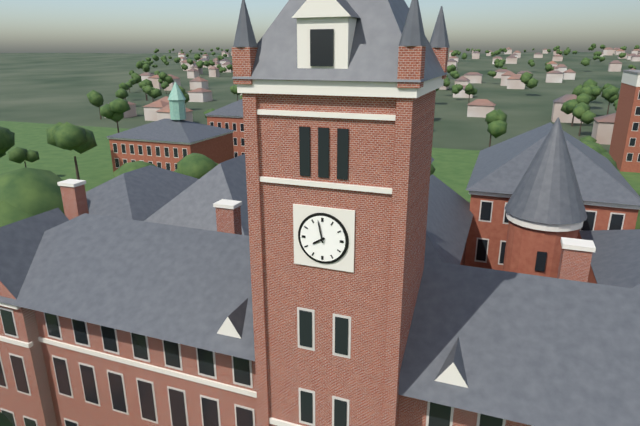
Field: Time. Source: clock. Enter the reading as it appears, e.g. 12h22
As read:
7h58
